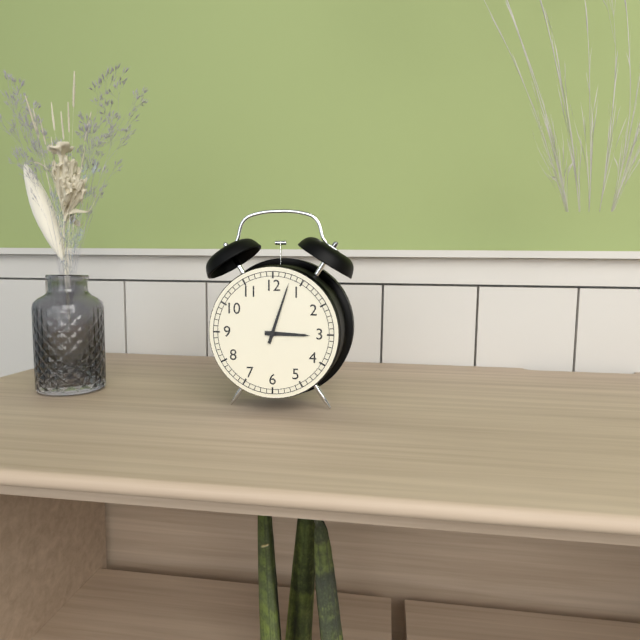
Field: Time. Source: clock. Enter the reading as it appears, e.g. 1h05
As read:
3h03
